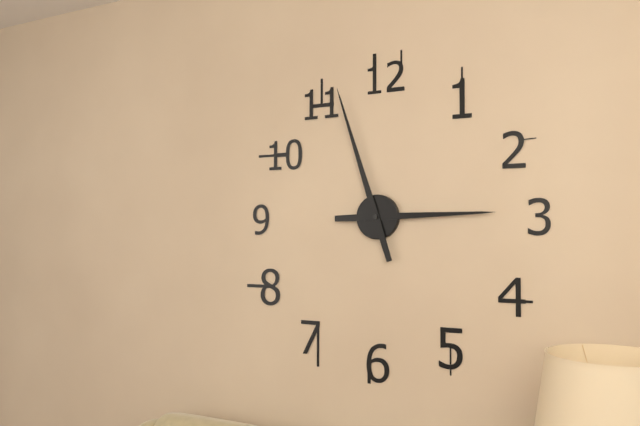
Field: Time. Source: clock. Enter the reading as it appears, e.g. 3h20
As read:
2h57
